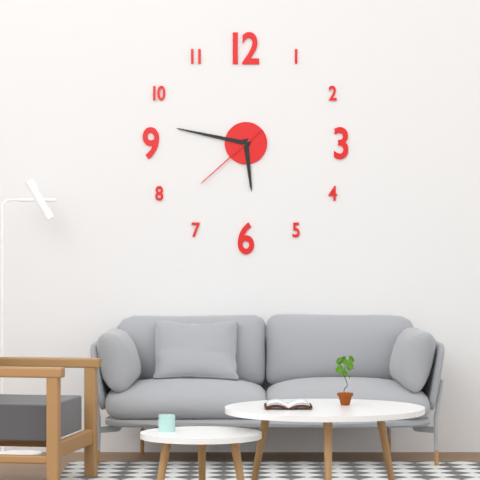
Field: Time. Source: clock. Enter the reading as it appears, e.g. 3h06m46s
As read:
5h47m38s
